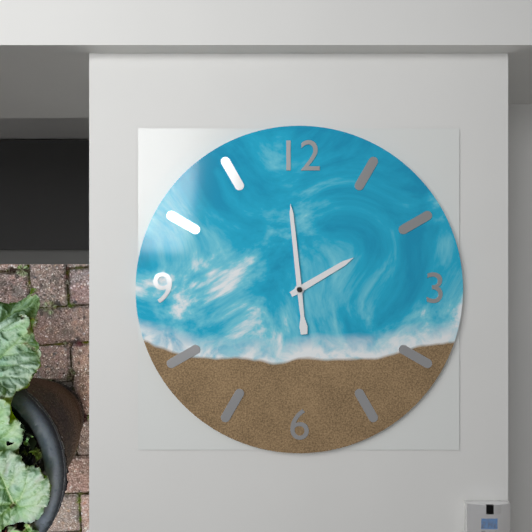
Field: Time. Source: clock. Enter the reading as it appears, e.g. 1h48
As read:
1h59
